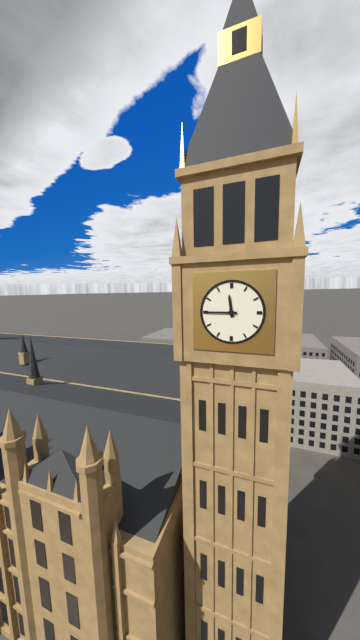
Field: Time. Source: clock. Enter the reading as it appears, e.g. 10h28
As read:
11h45
